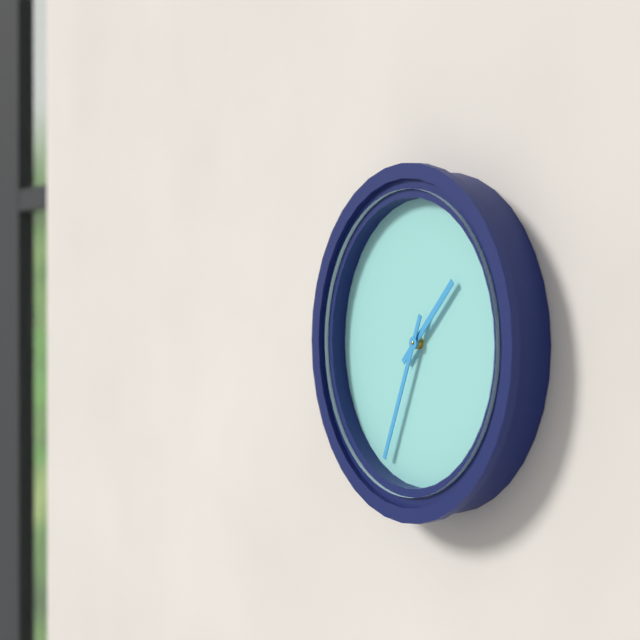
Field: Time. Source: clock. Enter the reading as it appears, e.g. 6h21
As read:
1h34
